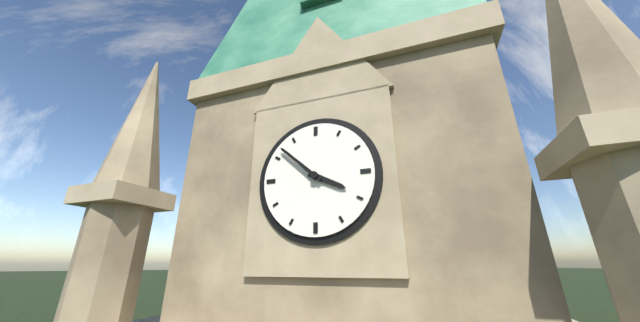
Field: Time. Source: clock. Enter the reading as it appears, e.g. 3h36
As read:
3h52
